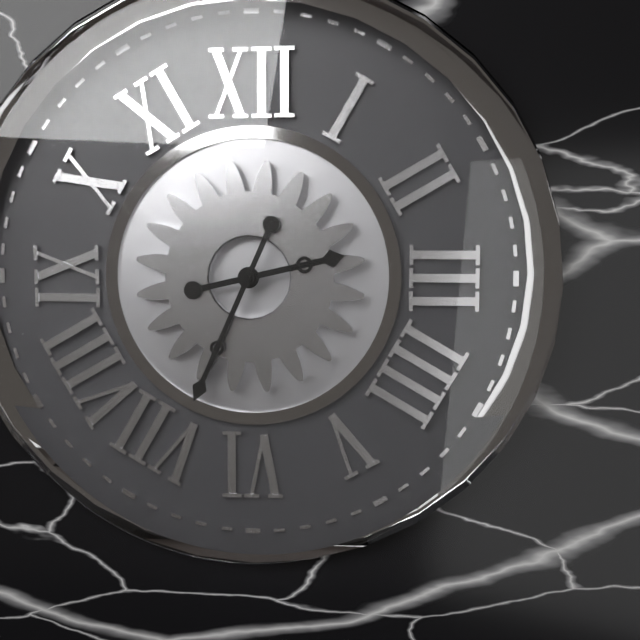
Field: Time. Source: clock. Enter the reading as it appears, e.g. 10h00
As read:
2h34
